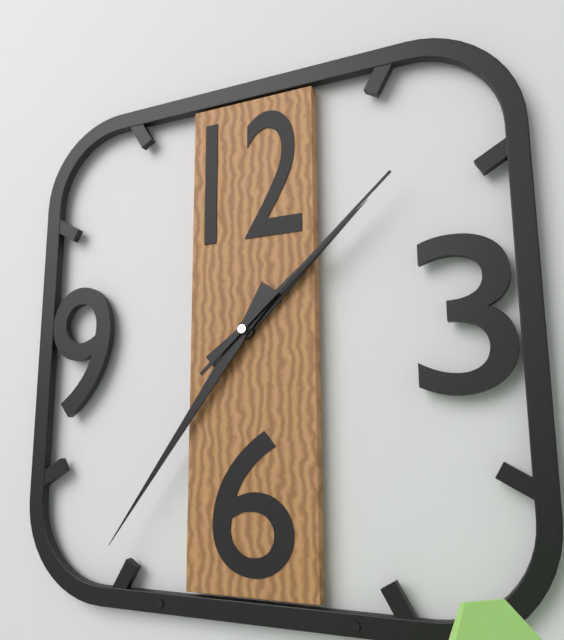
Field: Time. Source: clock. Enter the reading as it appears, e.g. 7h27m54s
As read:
1h36m08s
